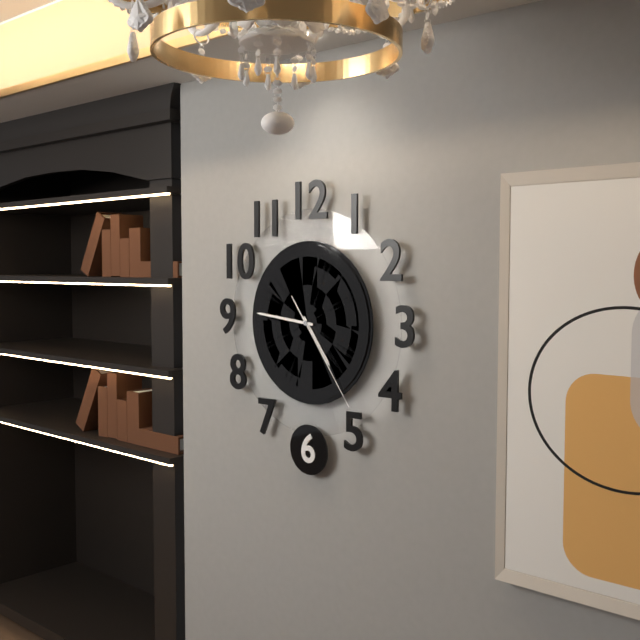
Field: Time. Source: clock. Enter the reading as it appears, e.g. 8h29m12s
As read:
4h46m24s
